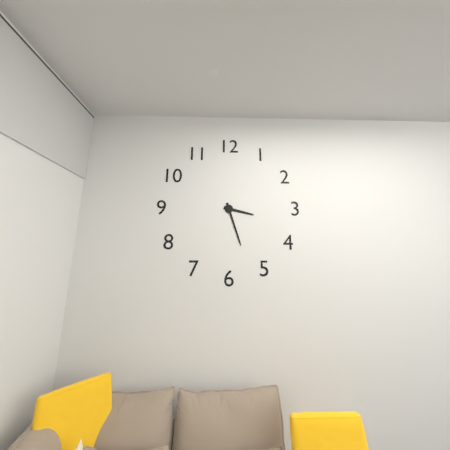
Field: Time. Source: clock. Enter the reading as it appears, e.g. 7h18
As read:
3h27
